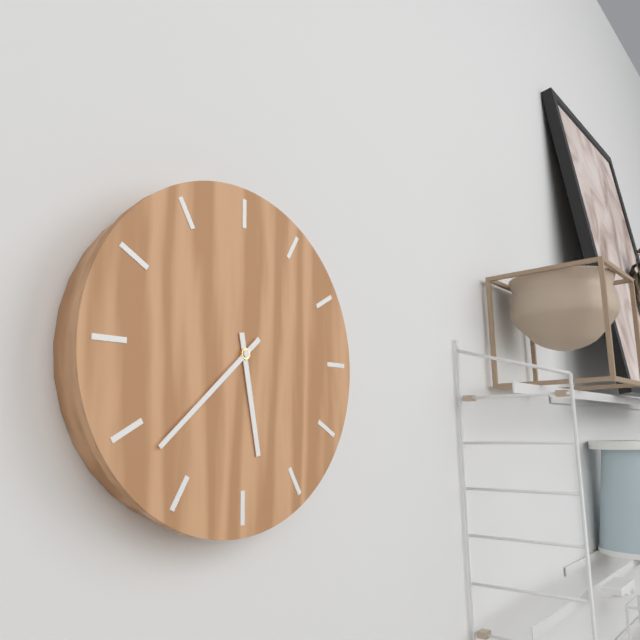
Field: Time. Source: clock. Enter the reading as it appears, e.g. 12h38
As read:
5h38
